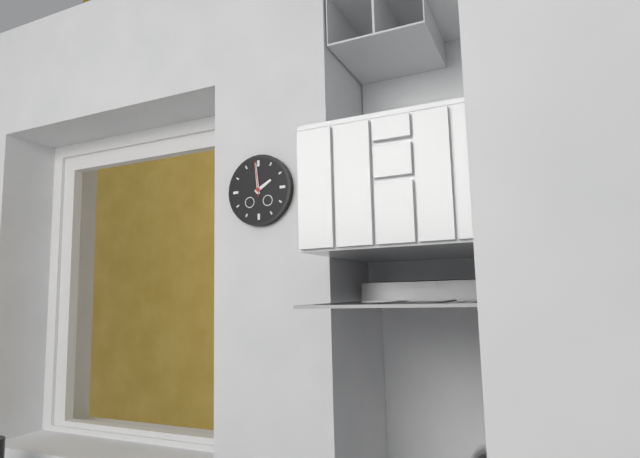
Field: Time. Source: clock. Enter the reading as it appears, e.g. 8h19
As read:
1h59
